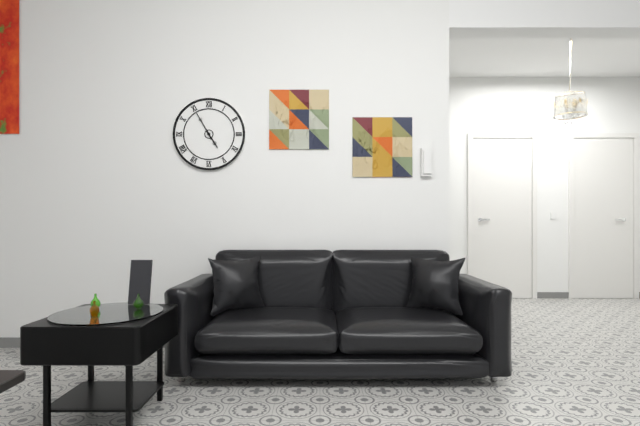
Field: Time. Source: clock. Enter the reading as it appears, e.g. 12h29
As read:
4h55
